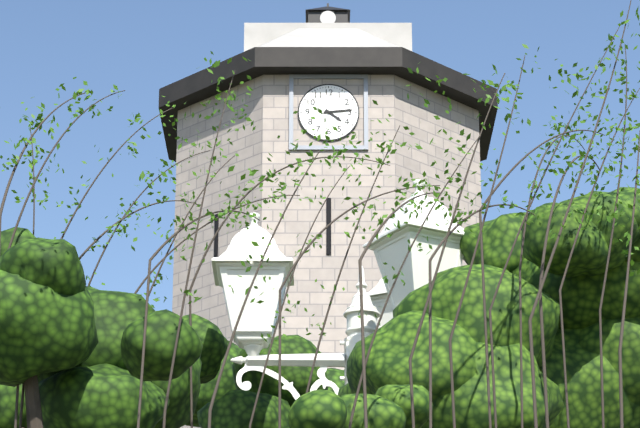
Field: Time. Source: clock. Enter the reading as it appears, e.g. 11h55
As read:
4h14
